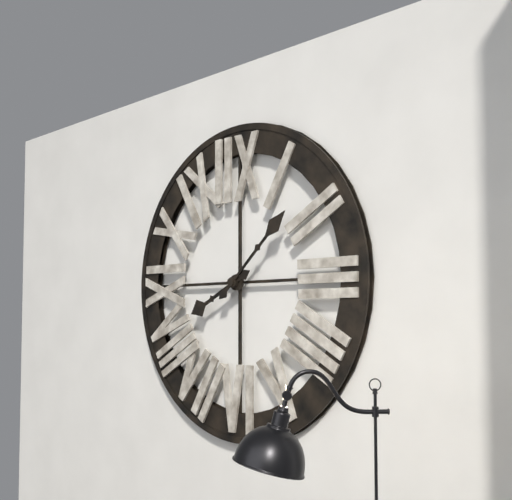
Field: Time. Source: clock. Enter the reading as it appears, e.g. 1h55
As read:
8h08
